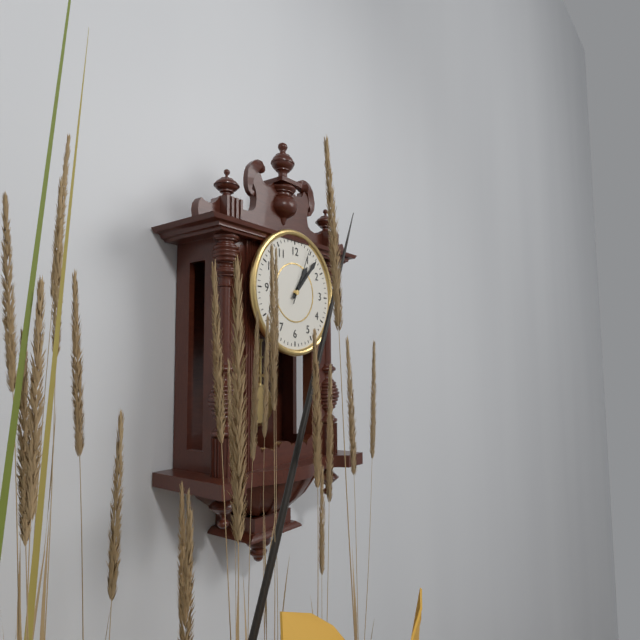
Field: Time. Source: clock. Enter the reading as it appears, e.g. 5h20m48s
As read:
1h07m04s
